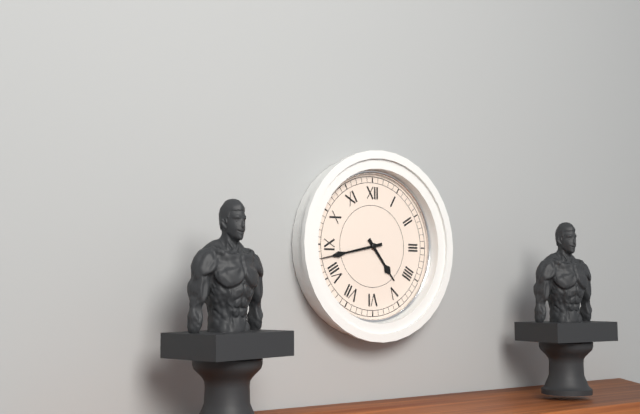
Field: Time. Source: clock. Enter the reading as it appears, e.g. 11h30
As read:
4h43
